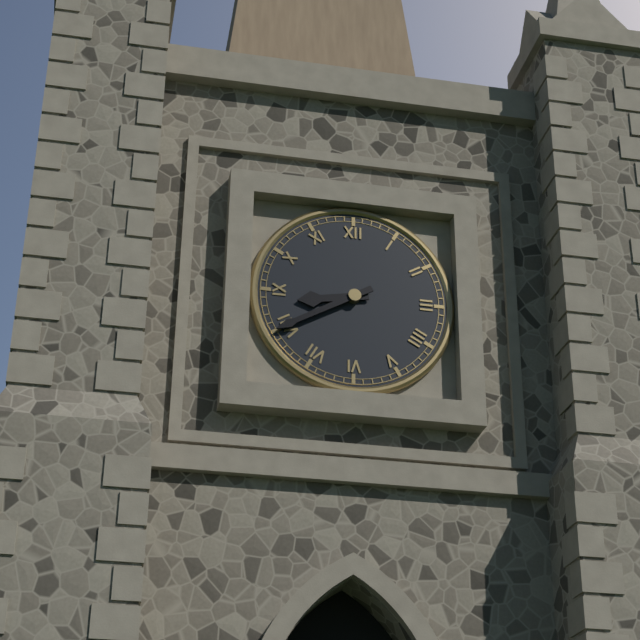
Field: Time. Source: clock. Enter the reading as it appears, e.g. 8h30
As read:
8h40
